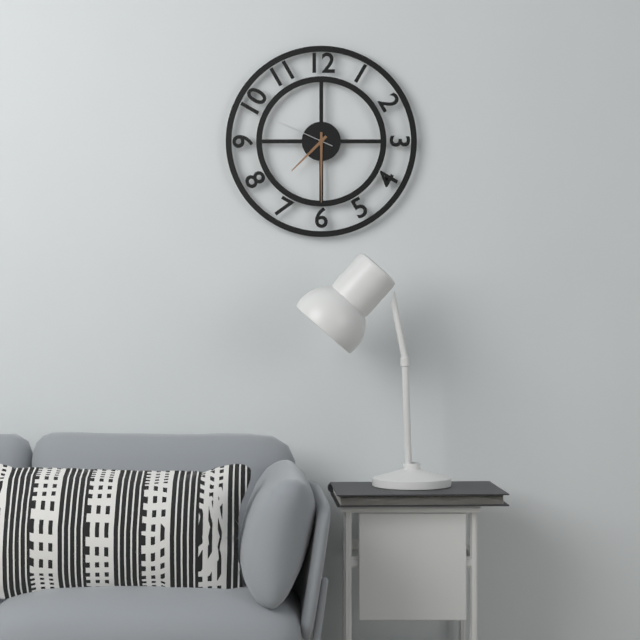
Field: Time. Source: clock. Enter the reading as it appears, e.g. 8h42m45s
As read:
7h30m49s
